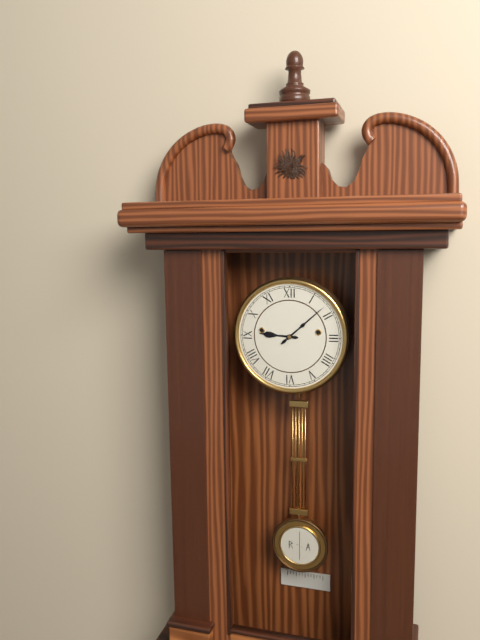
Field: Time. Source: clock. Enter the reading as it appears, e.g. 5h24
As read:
9h08
